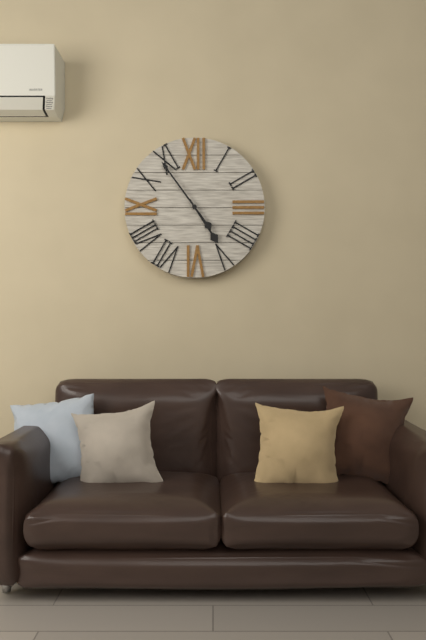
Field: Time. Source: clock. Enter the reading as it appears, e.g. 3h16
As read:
4h54
